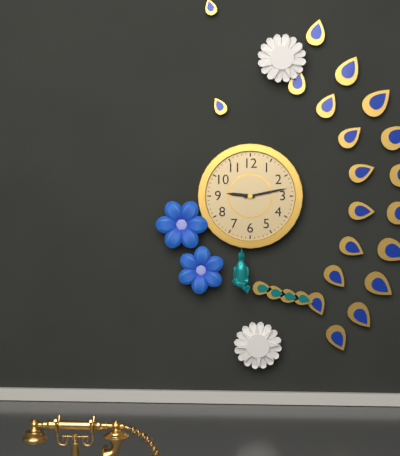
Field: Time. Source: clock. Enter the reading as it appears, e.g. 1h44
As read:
9h13
